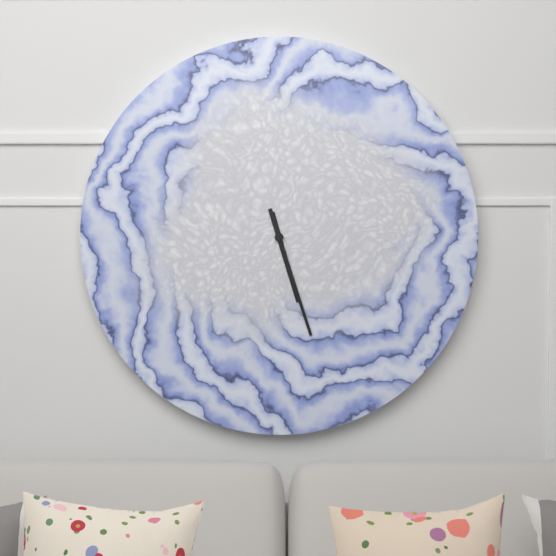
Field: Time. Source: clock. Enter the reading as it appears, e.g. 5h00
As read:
5h27
